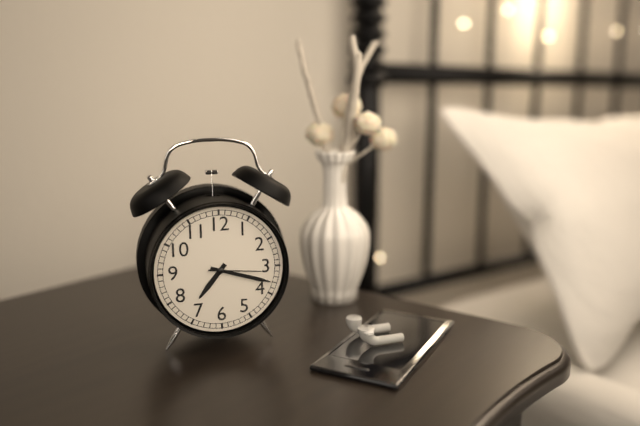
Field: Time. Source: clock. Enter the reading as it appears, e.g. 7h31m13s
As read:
7h18m16s
